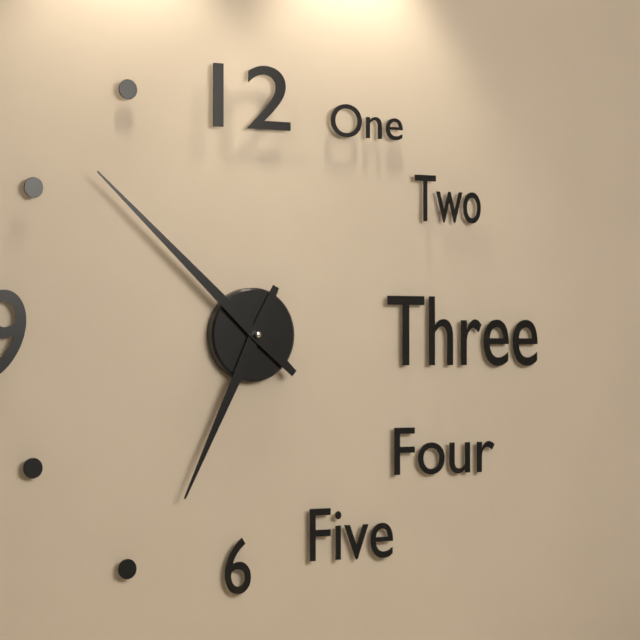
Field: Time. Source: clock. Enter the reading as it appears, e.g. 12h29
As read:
6h52
